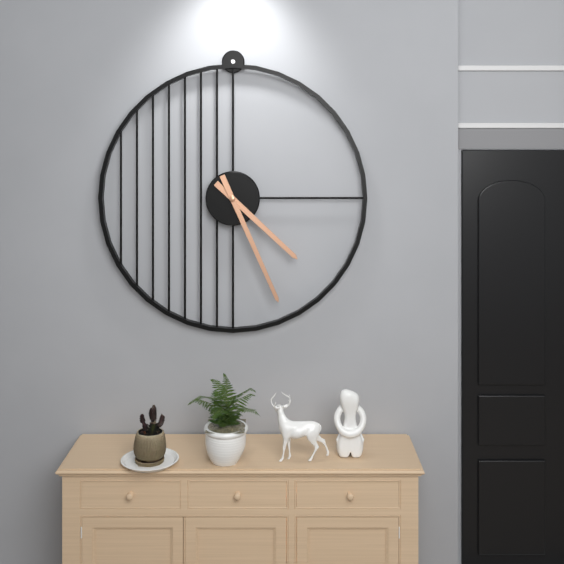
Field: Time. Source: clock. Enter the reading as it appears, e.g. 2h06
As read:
4h26
